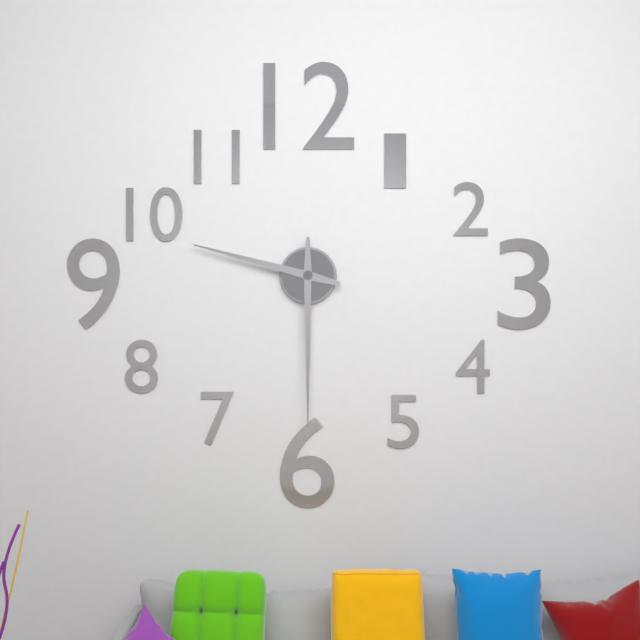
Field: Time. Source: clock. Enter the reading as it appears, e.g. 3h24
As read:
9h30
